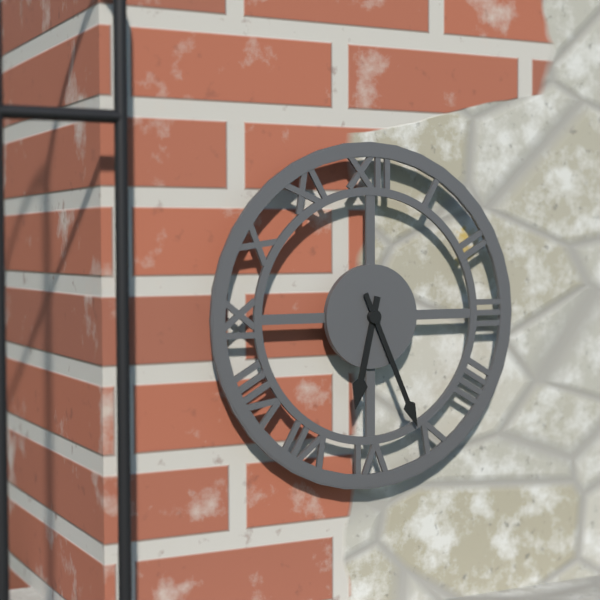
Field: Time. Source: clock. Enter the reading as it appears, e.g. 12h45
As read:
6h26
